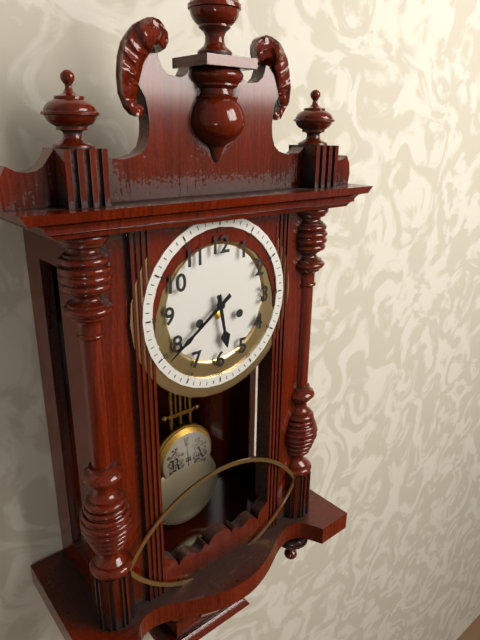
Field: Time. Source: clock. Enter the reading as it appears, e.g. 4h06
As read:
5h39
